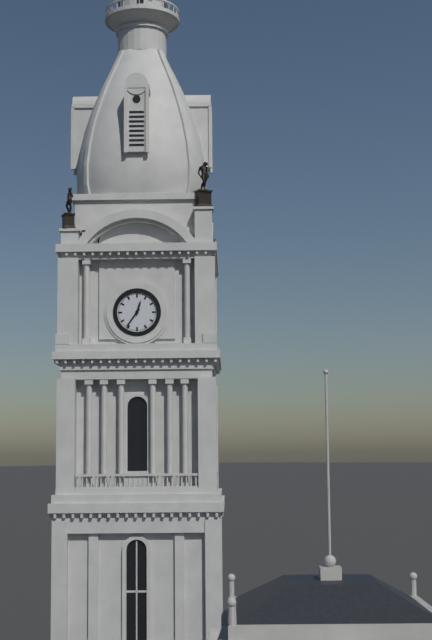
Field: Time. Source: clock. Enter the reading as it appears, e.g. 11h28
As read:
12h36
